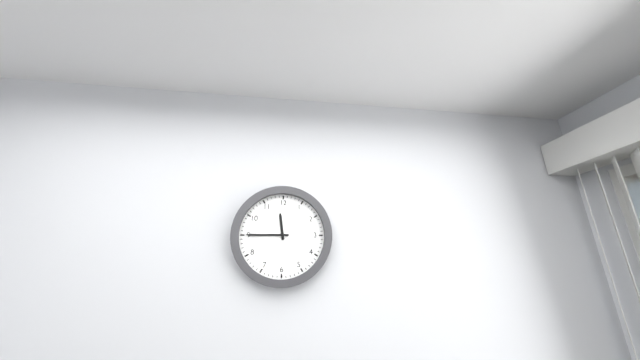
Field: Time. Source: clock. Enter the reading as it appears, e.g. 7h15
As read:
11h45
